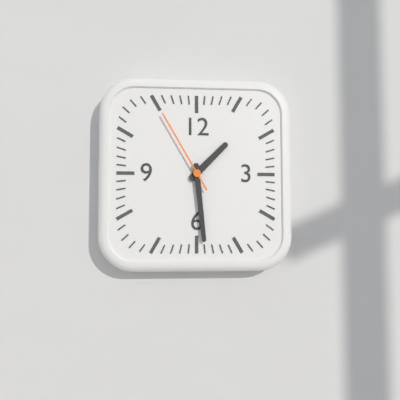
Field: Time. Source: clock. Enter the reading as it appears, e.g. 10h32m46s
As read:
1h29m55s
